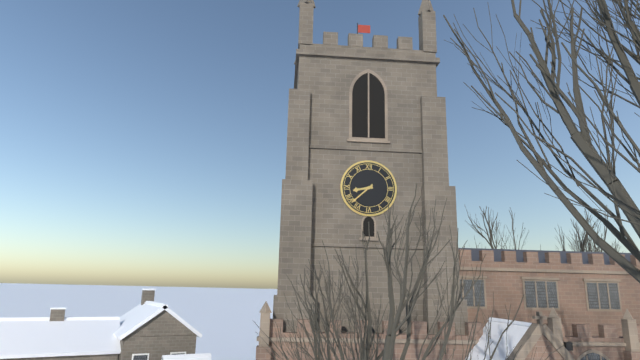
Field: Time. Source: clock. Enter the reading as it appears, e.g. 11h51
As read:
8h38
